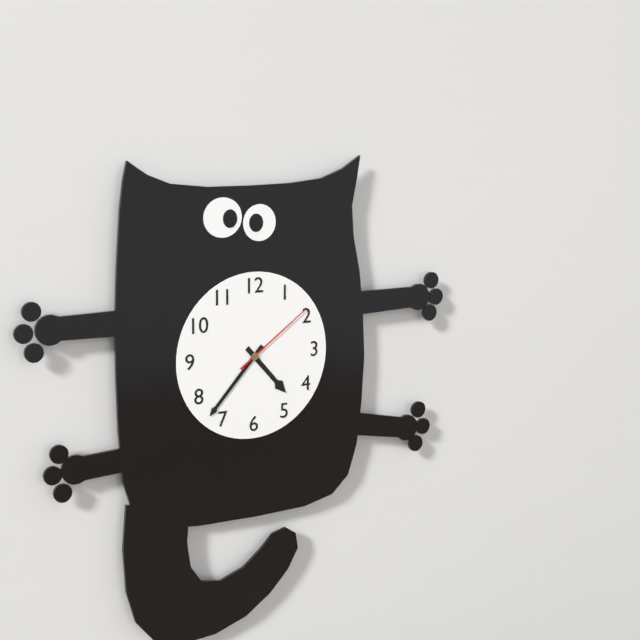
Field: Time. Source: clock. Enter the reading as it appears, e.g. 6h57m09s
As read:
4h37m09s
